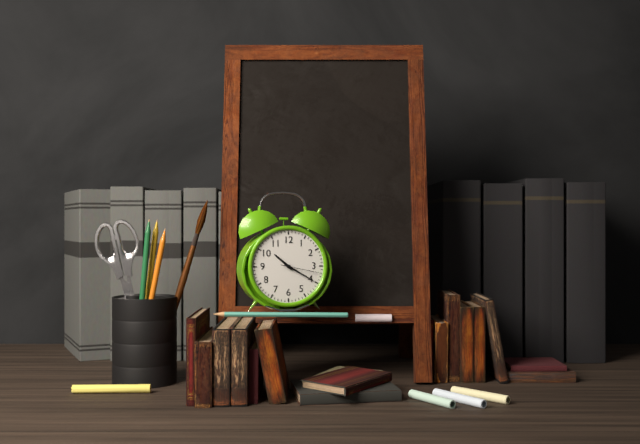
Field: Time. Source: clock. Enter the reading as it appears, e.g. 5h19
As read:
10h20
